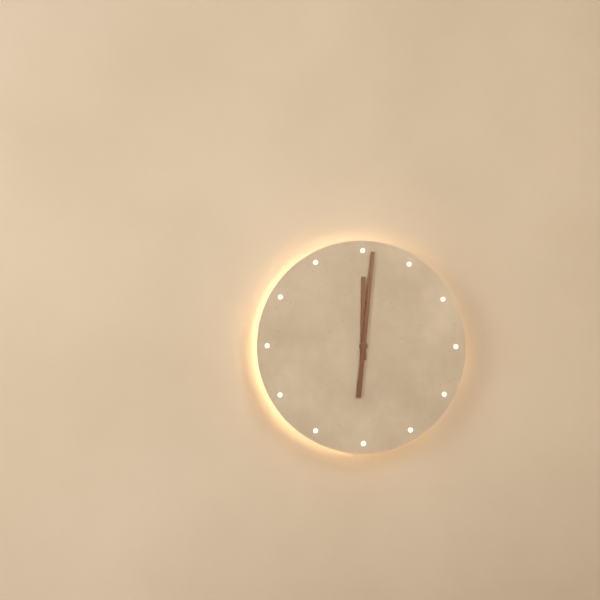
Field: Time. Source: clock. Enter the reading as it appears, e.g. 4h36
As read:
12h01
